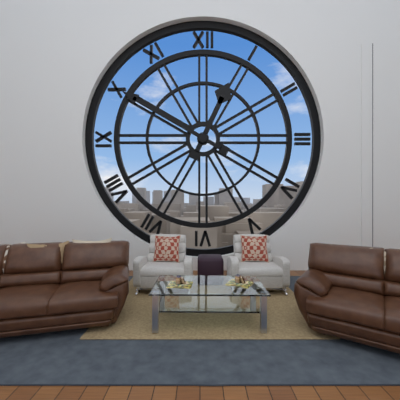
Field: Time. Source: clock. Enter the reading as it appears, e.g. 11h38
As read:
12h50
